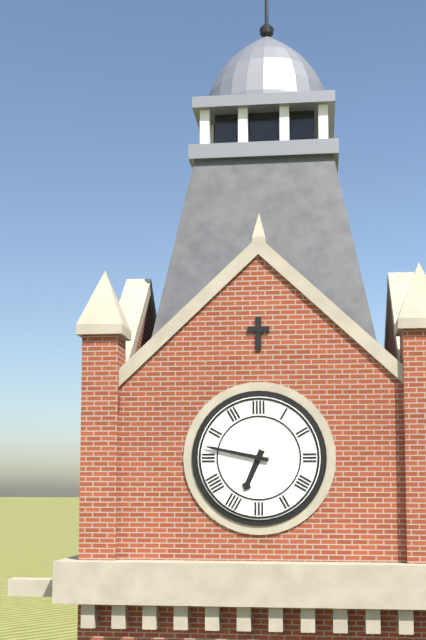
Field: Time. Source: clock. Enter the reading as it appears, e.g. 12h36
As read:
6h47
